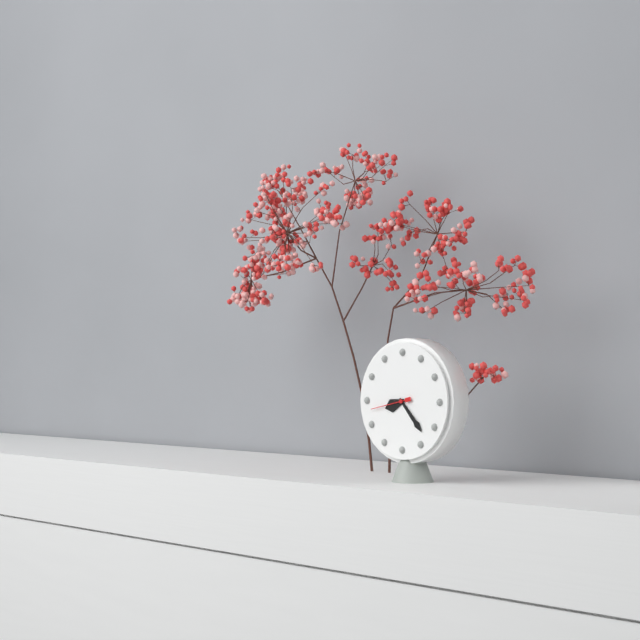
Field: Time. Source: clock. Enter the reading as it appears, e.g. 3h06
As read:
8h23
